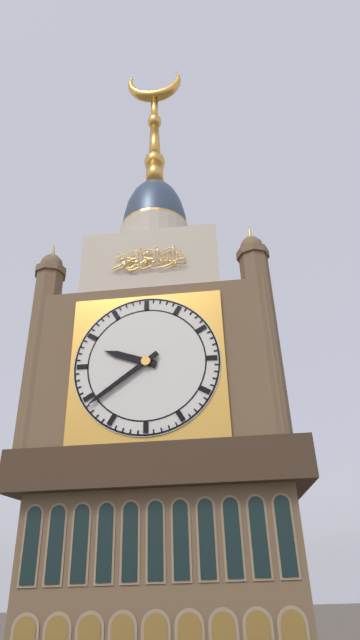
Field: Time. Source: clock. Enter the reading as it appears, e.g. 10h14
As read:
9h39
